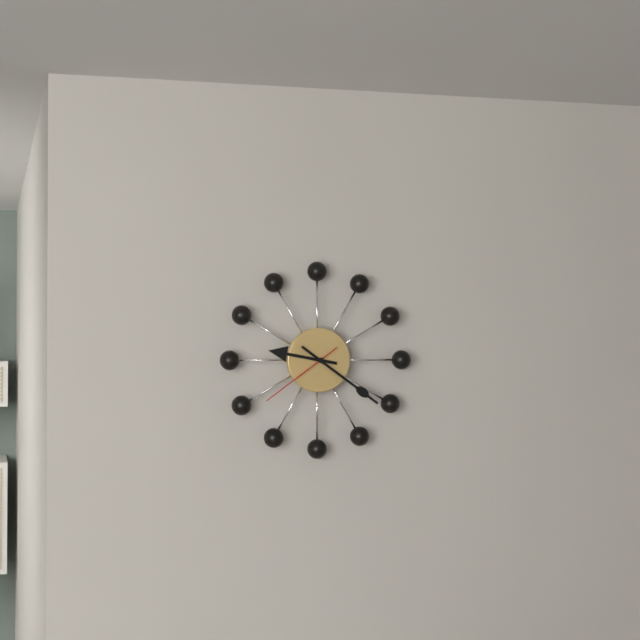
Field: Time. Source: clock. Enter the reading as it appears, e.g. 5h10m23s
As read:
9h21m39s
